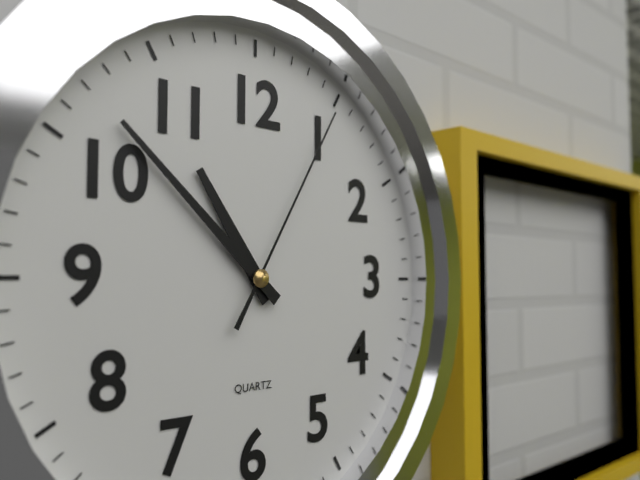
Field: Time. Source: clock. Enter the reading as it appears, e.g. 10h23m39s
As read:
10h52m05s
